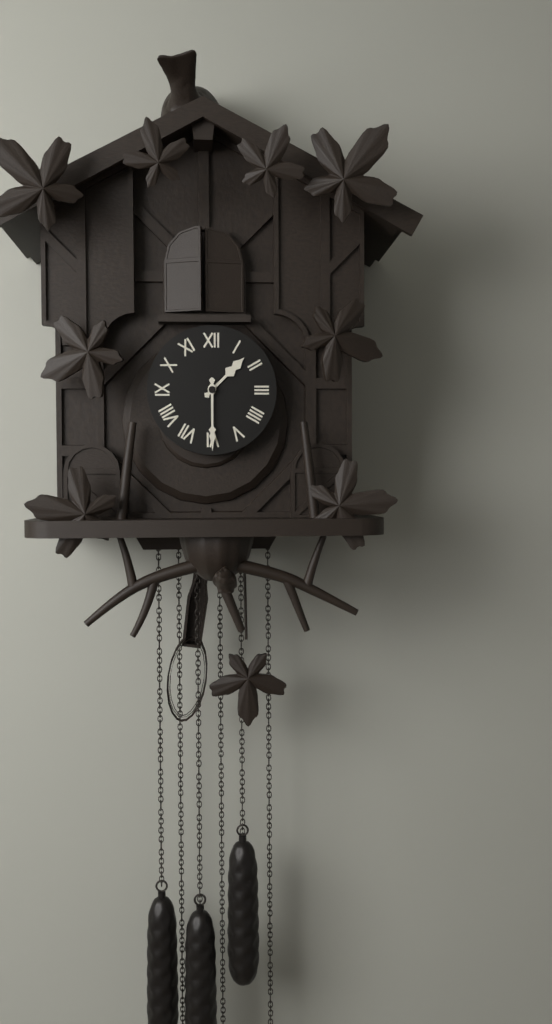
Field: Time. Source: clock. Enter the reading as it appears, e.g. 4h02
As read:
1h30
